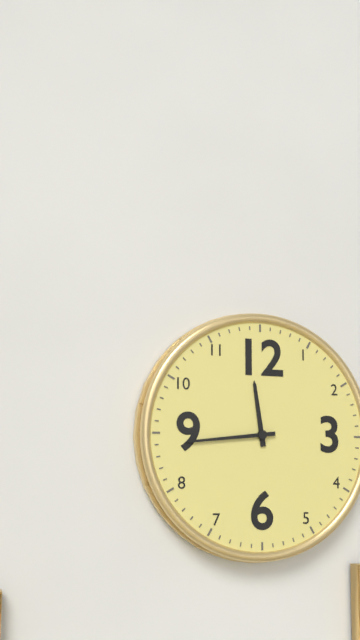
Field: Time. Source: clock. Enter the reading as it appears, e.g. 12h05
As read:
11h44
